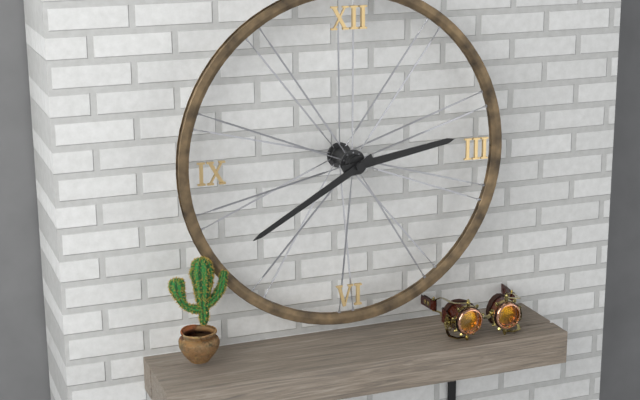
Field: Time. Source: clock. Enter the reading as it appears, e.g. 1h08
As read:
2h40
